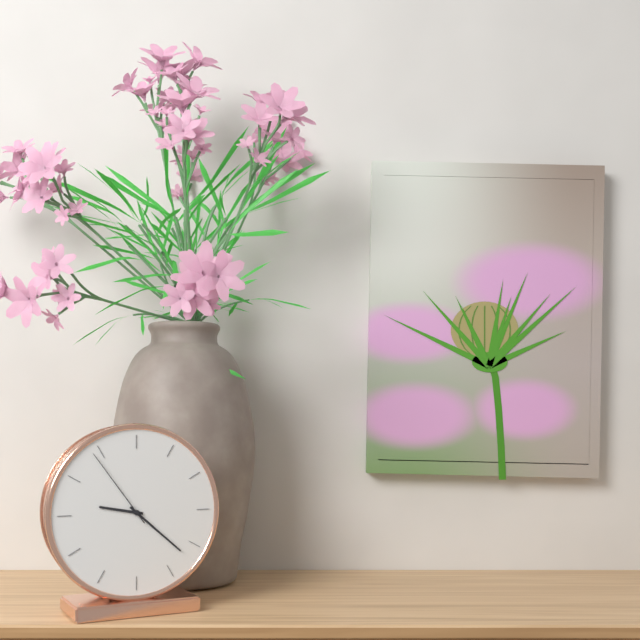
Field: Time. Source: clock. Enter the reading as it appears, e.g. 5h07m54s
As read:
9h22m54s
